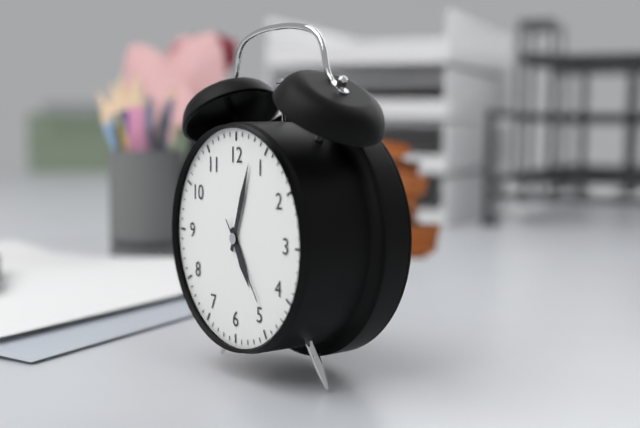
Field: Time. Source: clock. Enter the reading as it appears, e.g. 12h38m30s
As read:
5h03m24s
